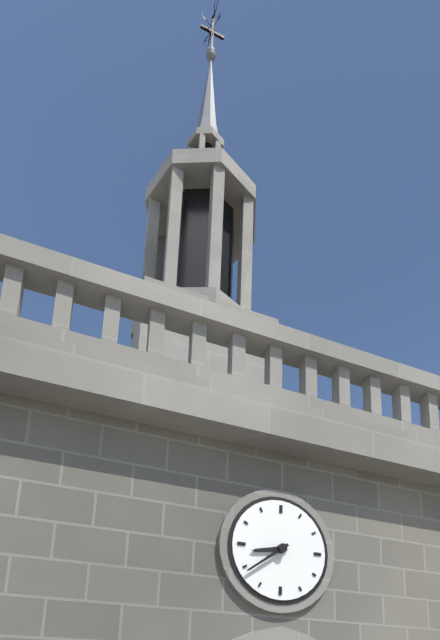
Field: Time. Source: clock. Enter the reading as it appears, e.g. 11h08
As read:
8h39
